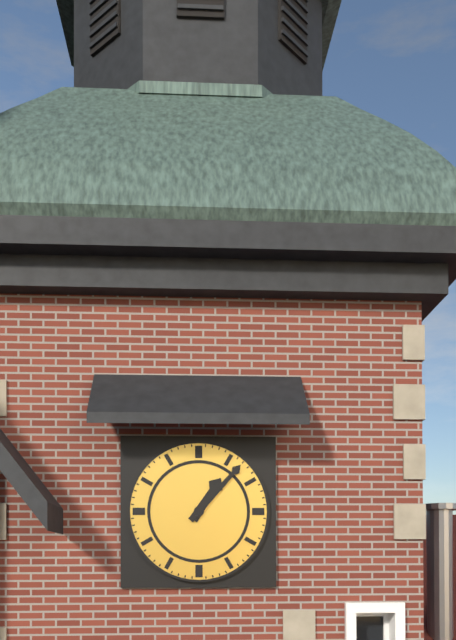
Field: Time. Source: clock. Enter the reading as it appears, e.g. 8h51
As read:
1h07
